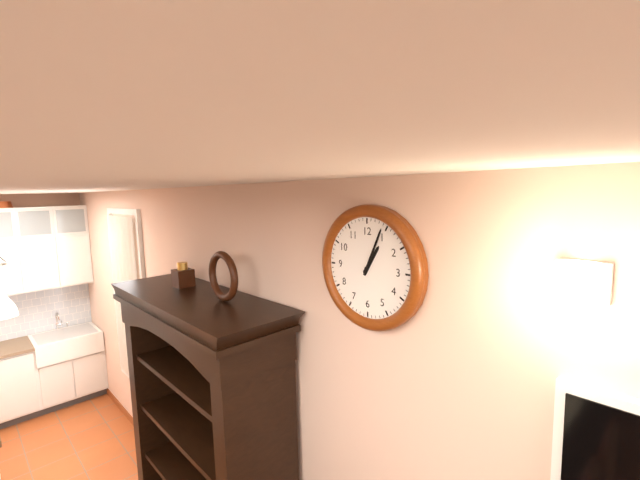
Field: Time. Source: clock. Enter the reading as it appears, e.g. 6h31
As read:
1h04
